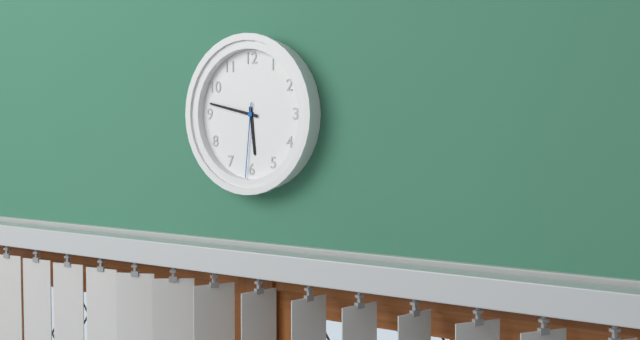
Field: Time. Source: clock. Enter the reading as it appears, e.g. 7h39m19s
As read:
5h47m31s
